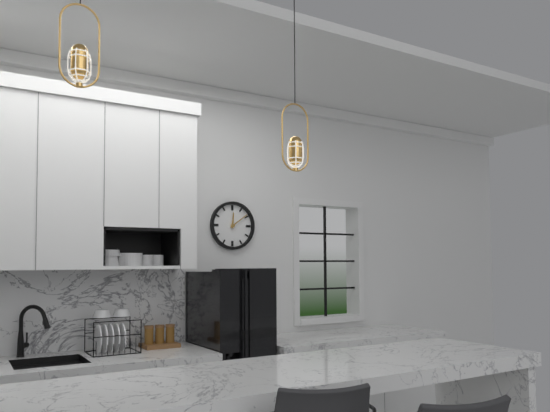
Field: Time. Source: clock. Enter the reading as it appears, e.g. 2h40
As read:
12h09
